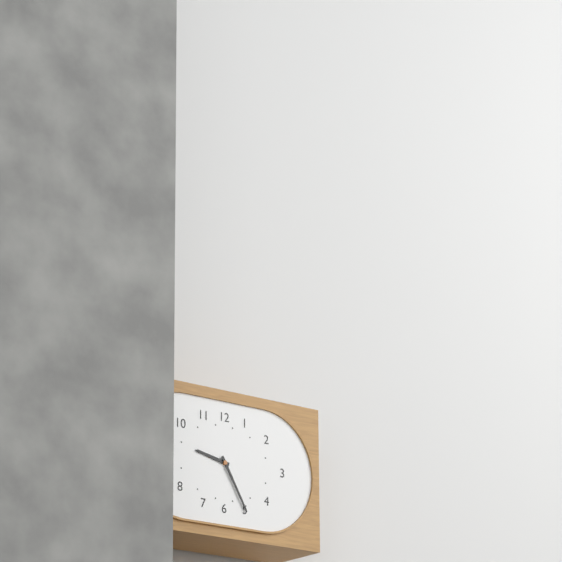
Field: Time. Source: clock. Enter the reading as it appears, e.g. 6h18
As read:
9h25
